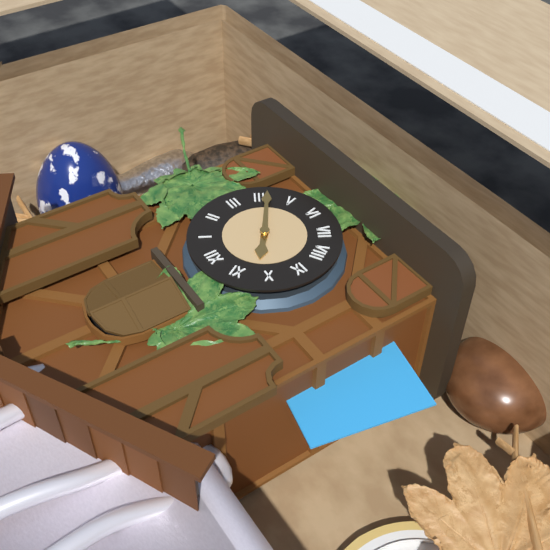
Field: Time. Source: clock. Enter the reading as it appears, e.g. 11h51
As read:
10h21
